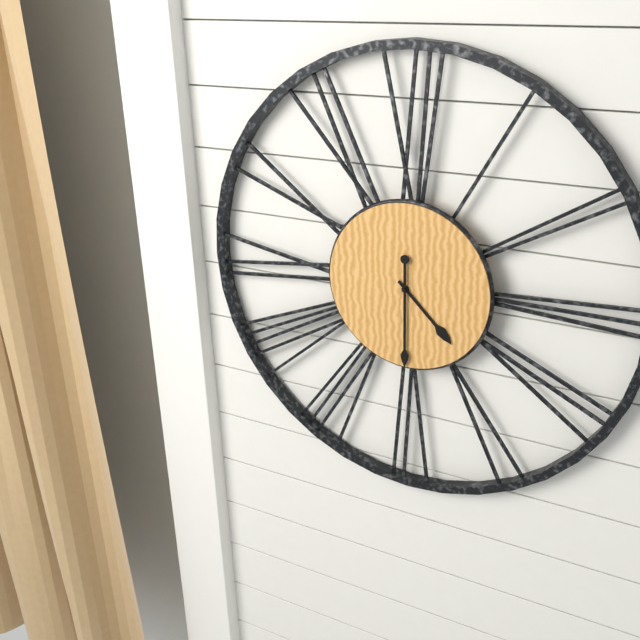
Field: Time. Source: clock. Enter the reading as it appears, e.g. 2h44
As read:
4h30
